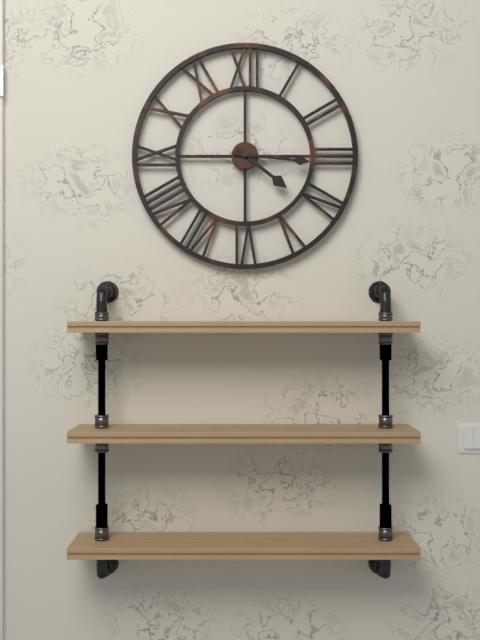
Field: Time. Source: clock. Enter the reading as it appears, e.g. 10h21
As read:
4h16
